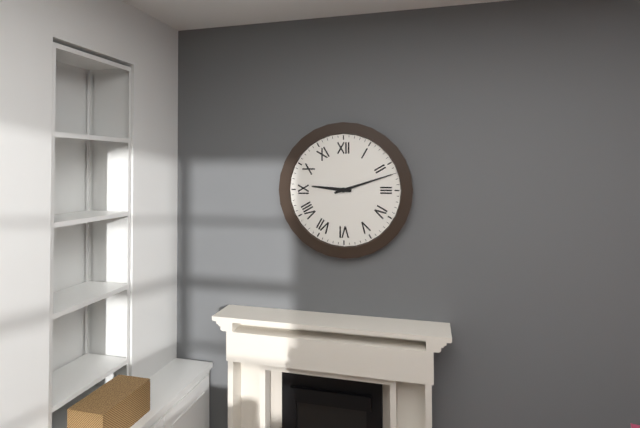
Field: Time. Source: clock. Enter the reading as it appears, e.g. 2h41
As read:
9h12
